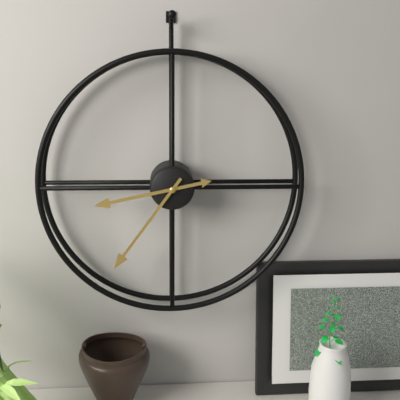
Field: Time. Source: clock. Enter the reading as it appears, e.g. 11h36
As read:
8h36
